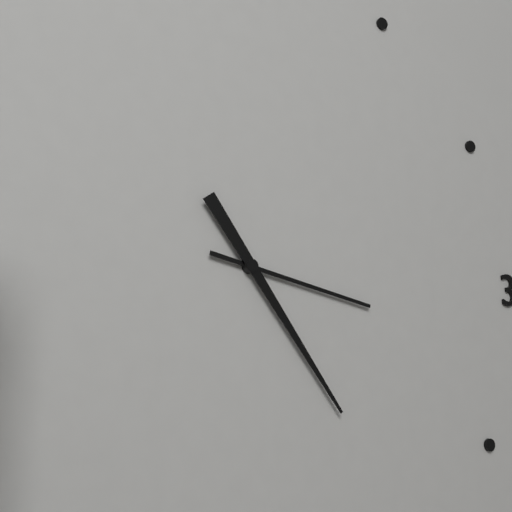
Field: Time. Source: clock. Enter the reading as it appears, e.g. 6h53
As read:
3h24
